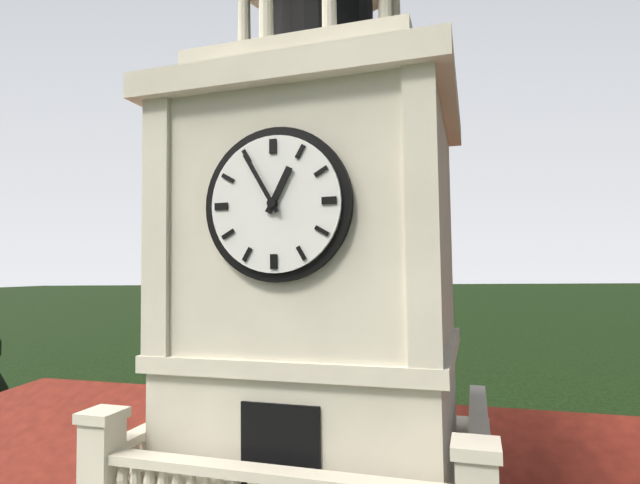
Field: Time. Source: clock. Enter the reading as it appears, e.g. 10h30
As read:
12h55
